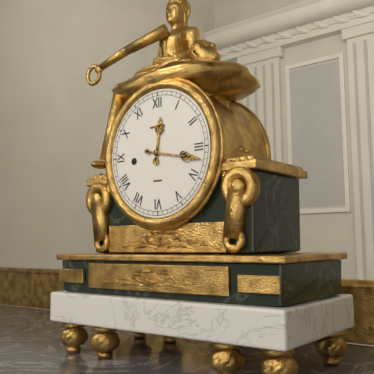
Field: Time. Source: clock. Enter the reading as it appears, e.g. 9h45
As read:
12h17
